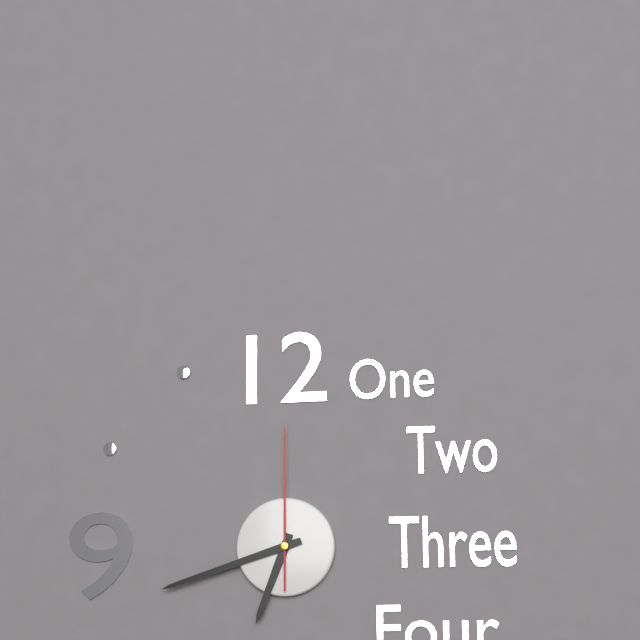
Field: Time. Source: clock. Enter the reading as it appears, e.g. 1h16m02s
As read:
6h42m00s
